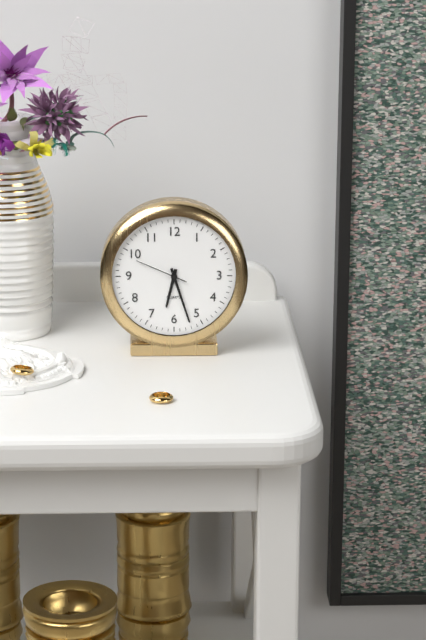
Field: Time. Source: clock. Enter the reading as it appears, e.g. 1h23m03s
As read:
6h27m49s
